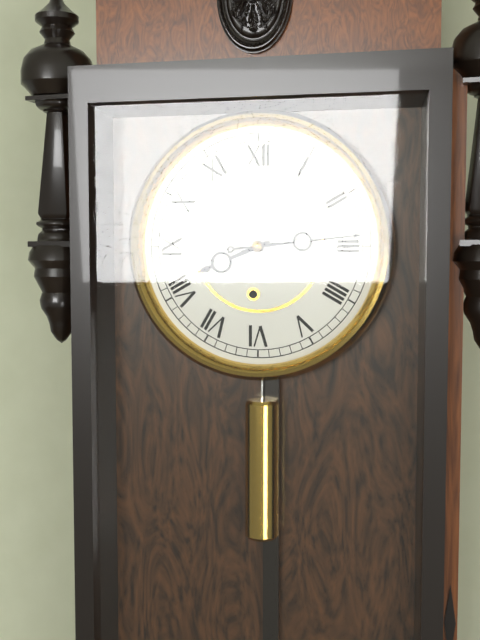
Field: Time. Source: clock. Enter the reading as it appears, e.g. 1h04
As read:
8h14
